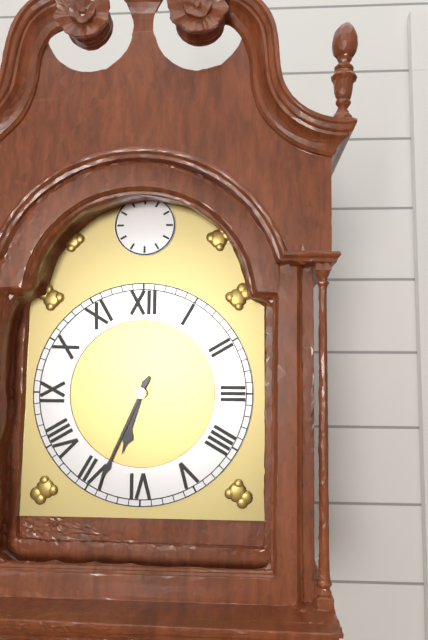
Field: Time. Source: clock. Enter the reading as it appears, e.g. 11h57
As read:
6h34
